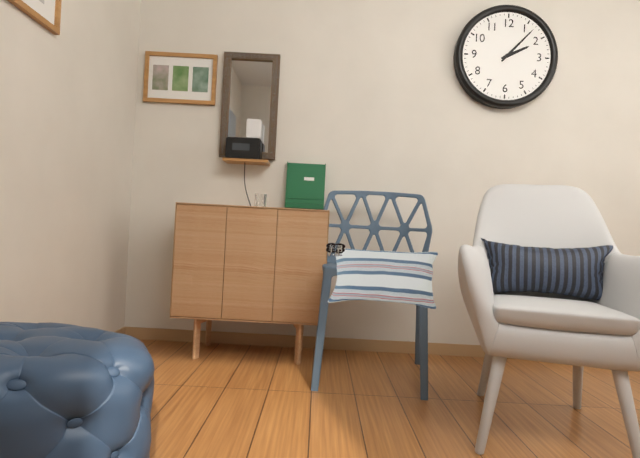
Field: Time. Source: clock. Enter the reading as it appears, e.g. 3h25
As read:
2h07
